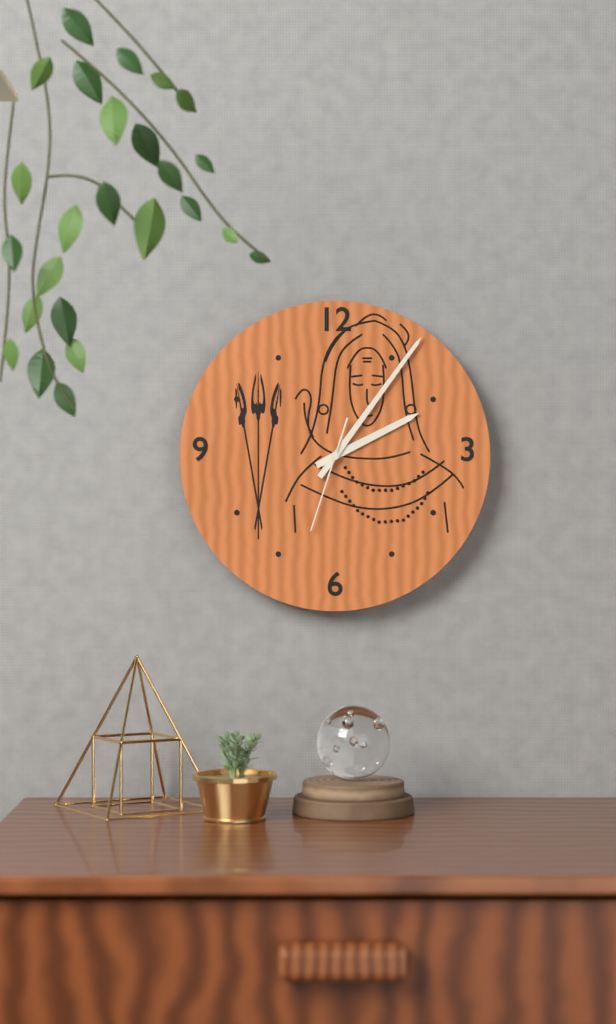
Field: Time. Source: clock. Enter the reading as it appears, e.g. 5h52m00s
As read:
2h06m33s
